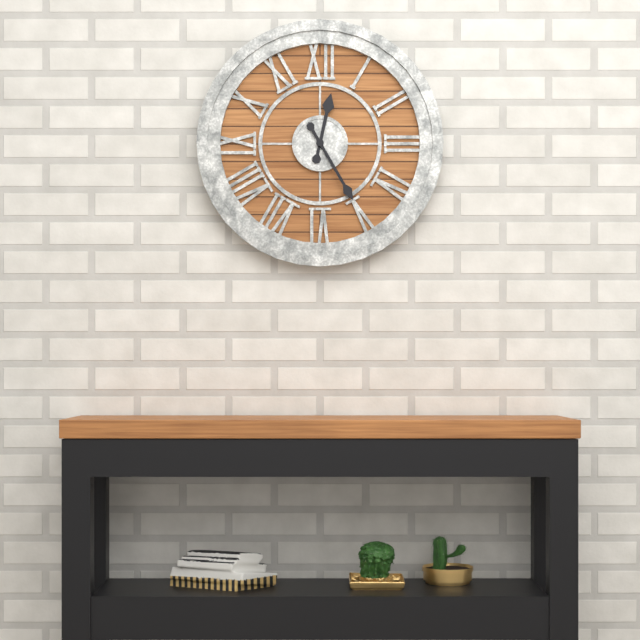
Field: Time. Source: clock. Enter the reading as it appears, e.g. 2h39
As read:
12h25
